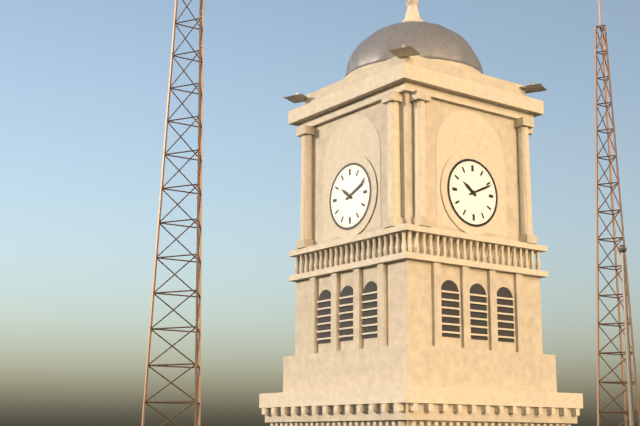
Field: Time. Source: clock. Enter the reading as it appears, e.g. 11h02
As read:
10h11
